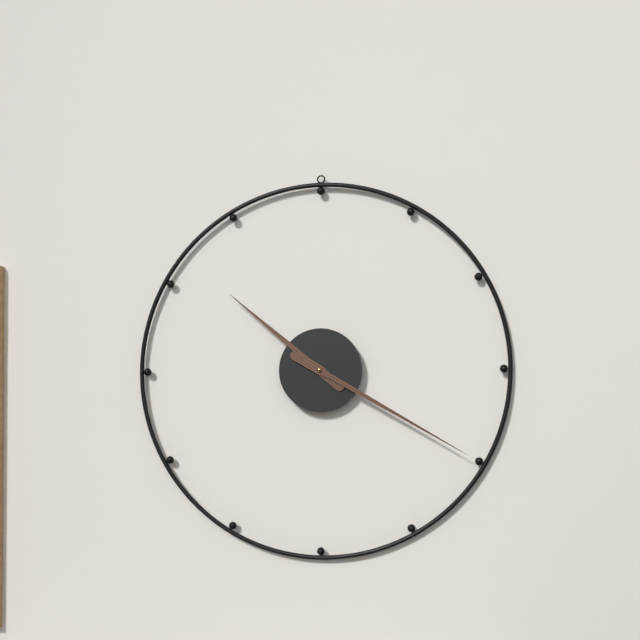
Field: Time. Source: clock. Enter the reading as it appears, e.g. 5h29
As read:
10h20
